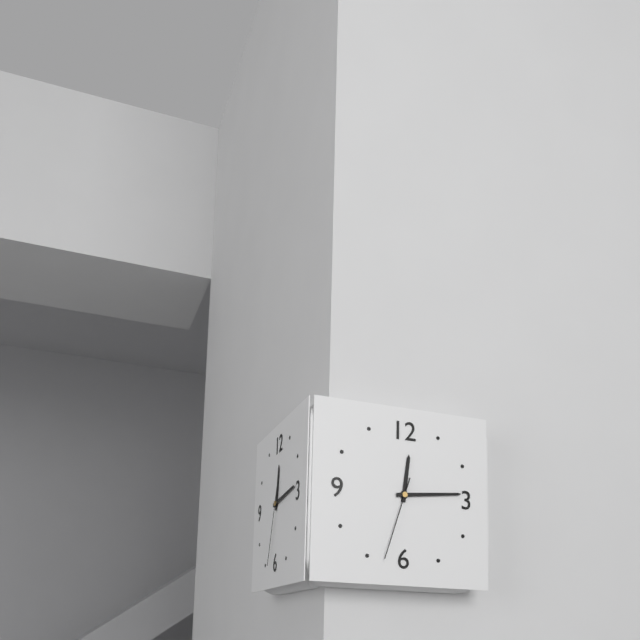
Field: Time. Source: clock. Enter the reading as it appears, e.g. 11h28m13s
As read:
12h14m33s
